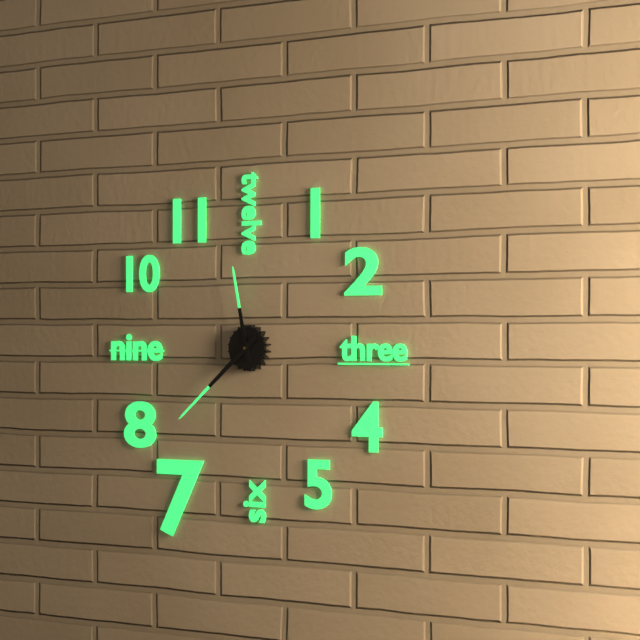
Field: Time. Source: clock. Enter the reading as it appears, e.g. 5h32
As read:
11h38
